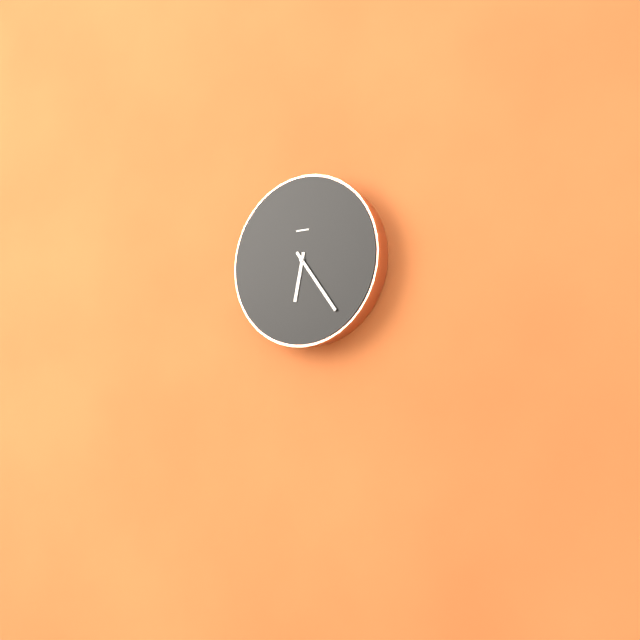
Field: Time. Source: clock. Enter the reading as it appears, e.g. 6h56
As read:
6h24
